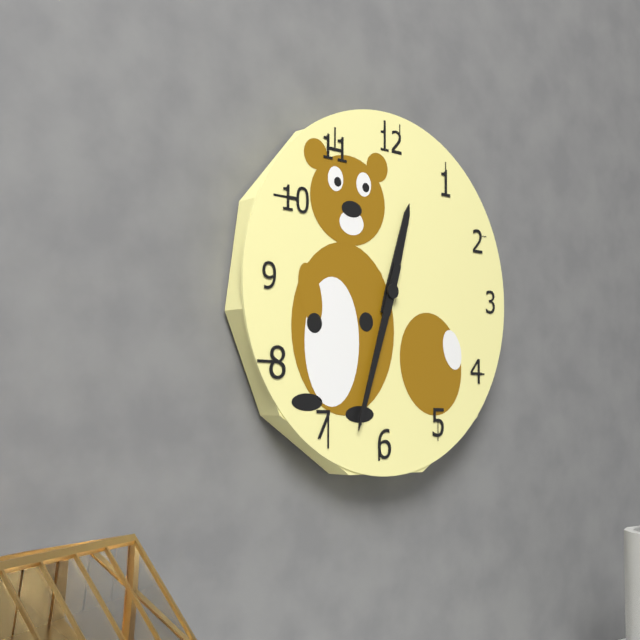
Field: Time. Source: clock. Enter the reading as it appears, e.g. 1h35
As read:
12h33
